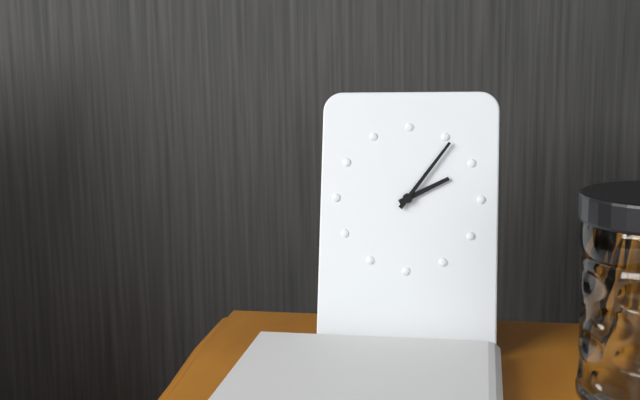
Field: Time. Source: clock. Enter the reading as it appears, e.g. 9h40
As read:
2h06
